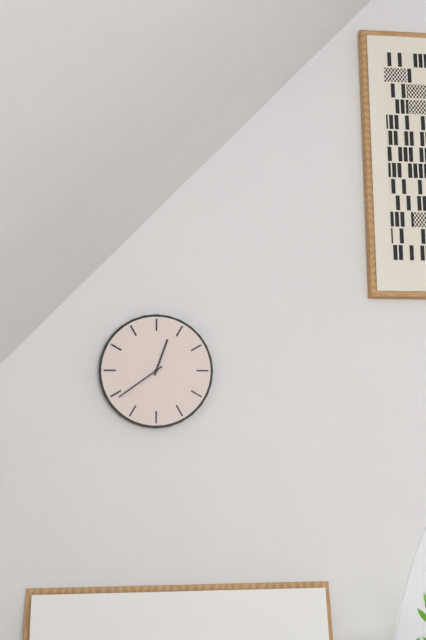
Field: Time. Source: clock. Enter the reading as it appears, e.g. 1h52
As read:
12h39
